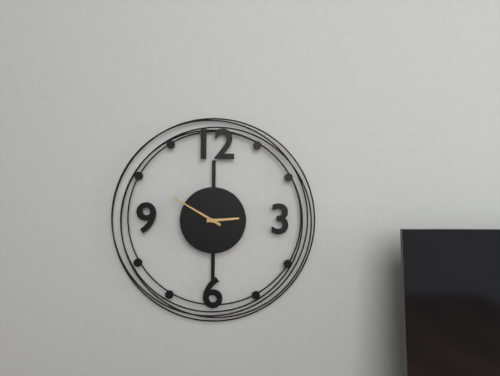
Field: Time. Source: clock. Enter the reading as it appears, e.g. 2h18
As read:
2h50
